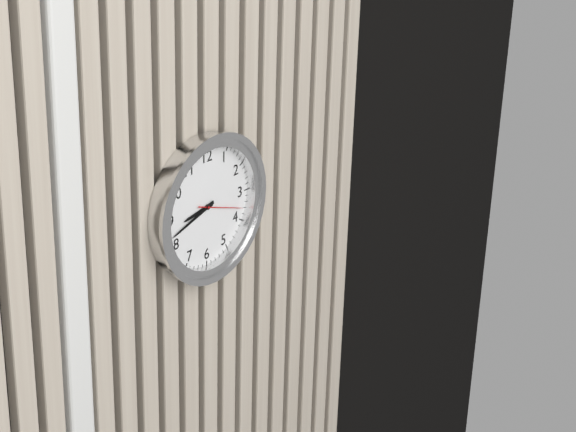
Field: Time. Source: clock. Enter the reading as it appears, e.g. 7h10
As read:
8h42
